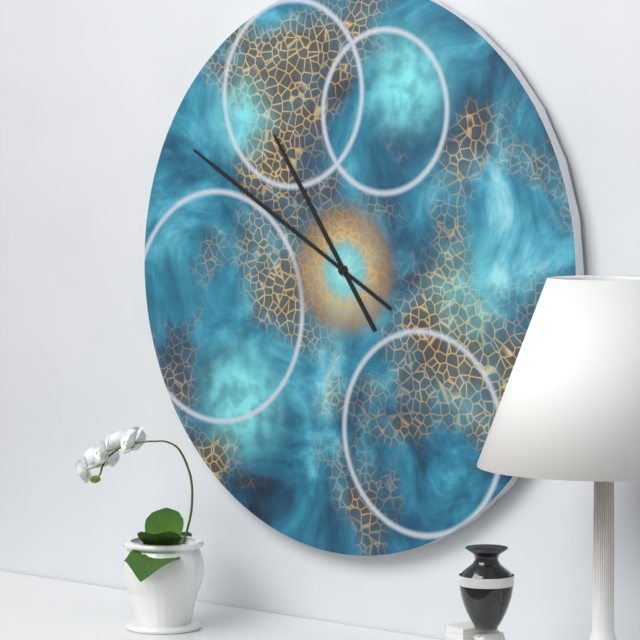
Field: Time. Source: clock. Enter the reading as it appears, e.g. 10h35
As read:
10h50
